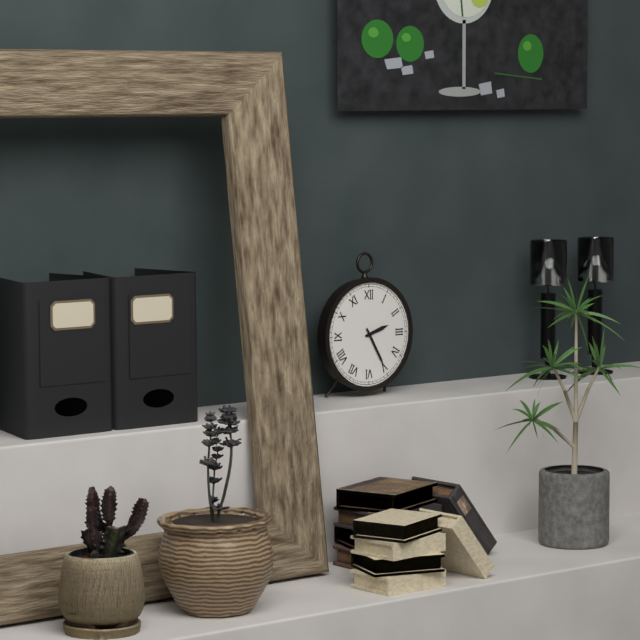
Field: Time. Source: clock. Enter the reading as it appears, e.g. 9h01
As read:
2h25
